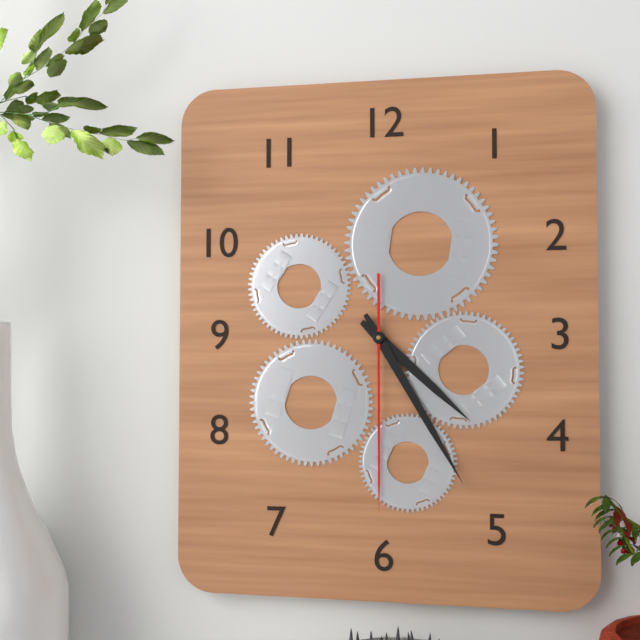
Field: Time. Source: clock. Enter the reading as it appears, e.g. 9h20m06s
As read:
4h25m30s
